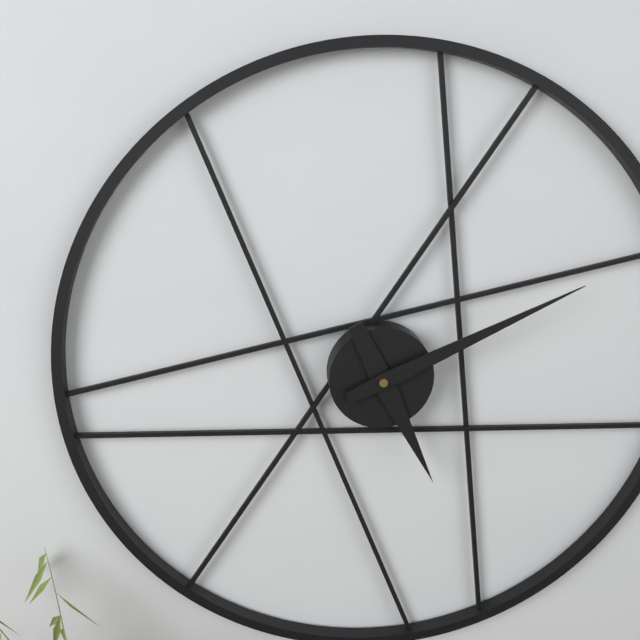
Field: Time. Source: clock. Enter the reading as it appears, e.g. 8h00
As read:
5h11
